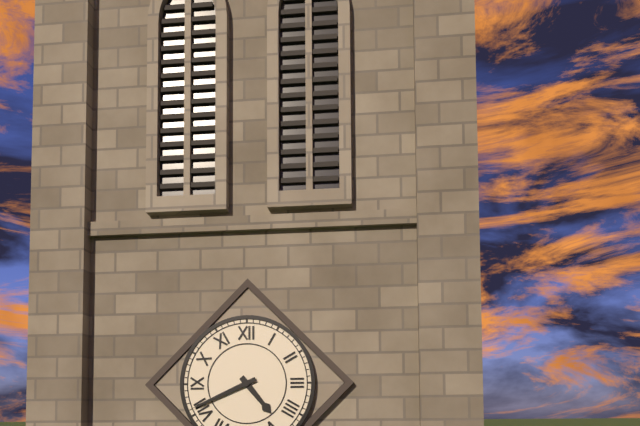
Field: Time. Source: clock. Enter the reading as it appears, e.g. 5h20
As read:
4h41
